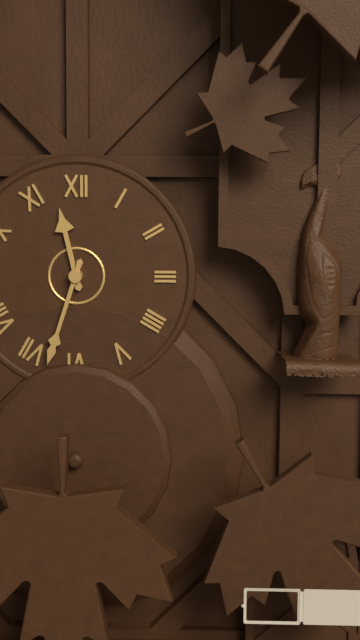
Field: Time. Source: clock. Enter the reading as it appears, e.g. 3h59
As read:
11h33
